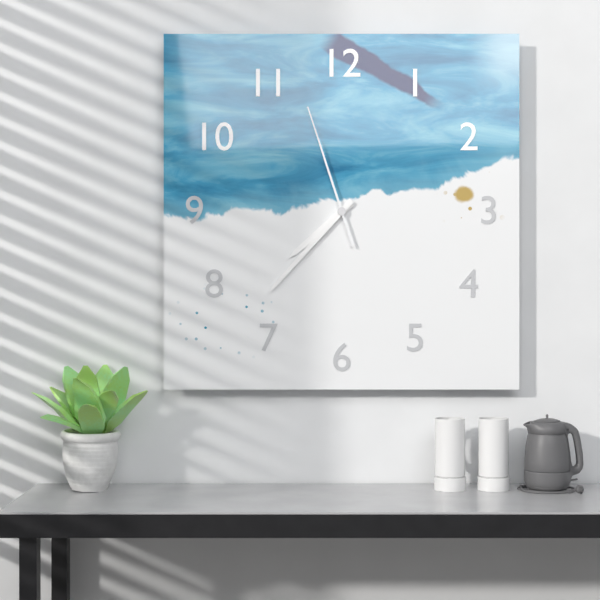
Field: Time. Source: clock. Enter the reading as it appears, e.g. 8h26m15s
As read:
7h37m57s
